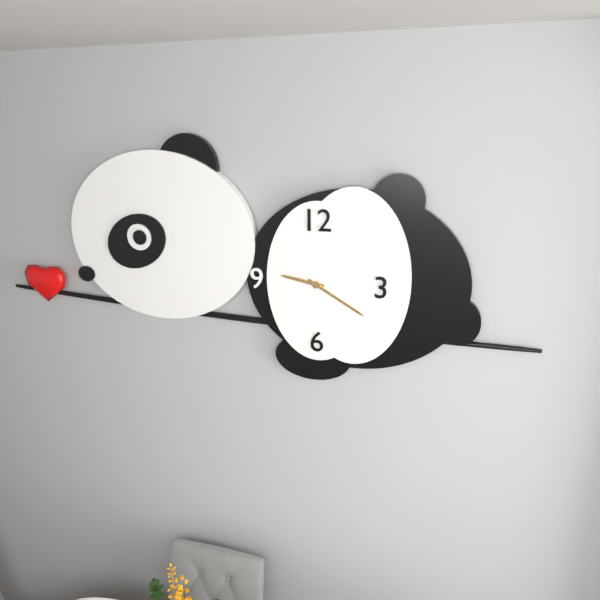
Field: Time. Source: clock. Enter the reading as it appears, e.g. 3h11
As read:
9h20
